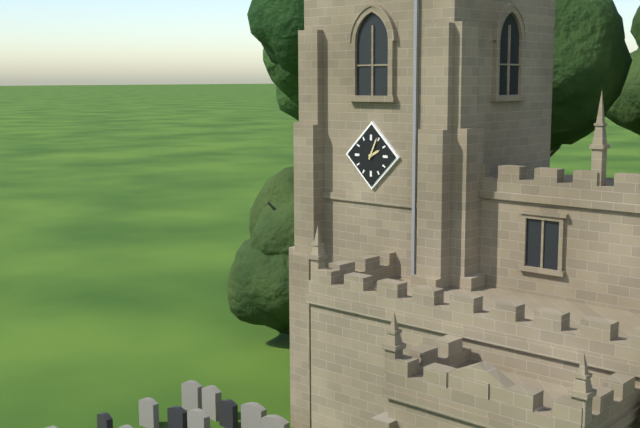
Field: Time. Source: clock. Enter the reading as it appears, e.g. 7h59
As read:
2h04
